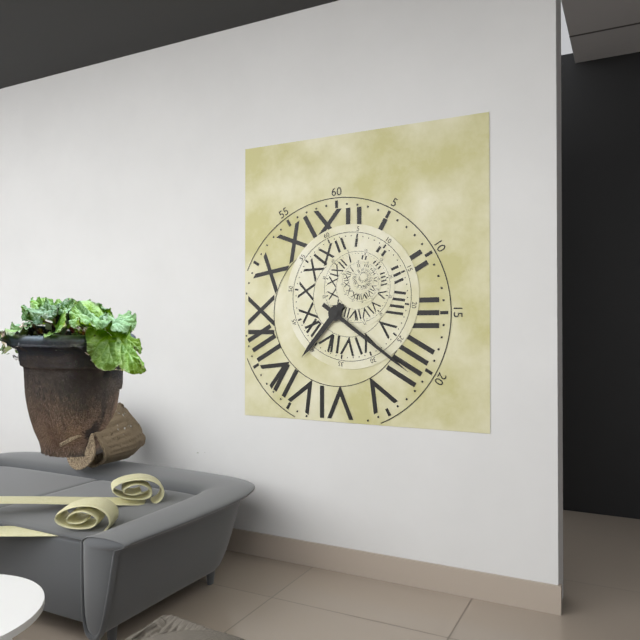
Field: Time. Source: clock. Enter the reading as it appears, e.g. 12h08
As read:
7h21
